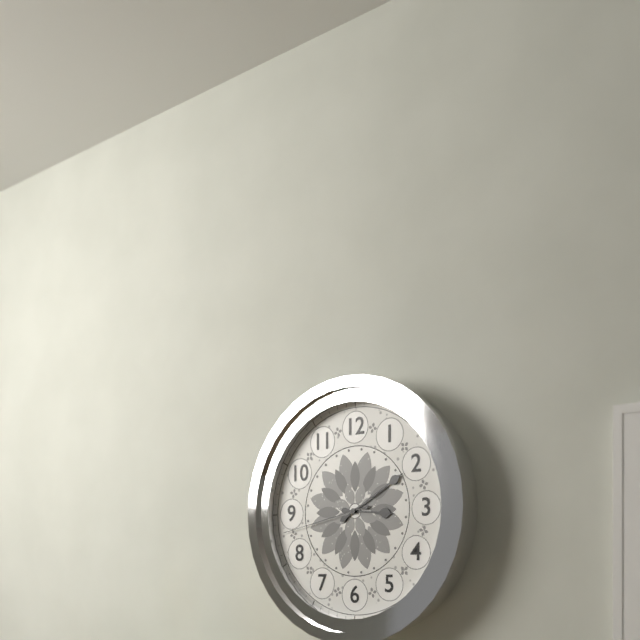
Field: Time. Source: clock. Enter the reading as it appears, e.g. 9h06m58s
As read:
3h10m43s
